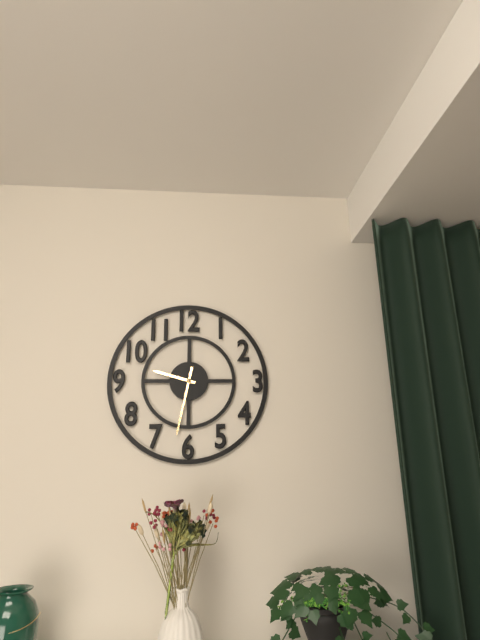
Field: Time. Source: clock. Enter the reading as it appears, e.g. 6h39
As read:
9h32
